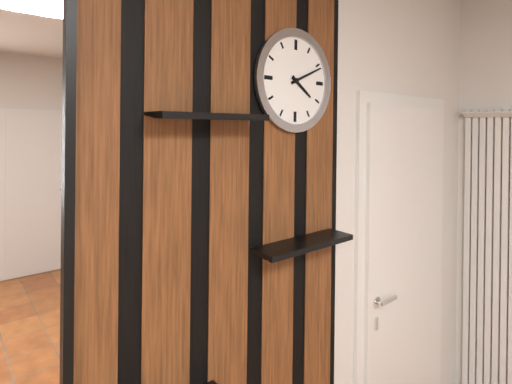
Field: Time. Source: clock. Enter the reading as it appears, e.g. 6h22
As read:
4h11
